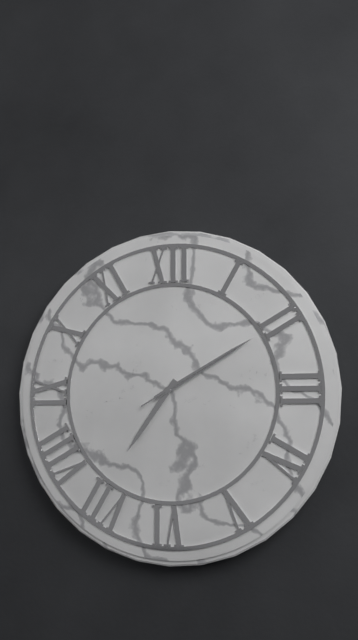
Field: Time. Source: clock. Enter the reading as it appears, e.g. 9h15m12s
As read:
7h10m10s
